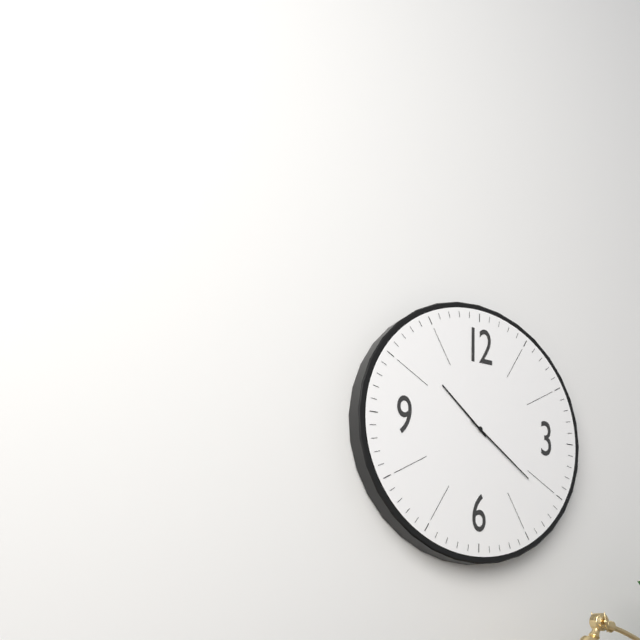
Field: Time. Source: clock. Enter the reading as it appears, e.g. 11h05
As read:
10h21
